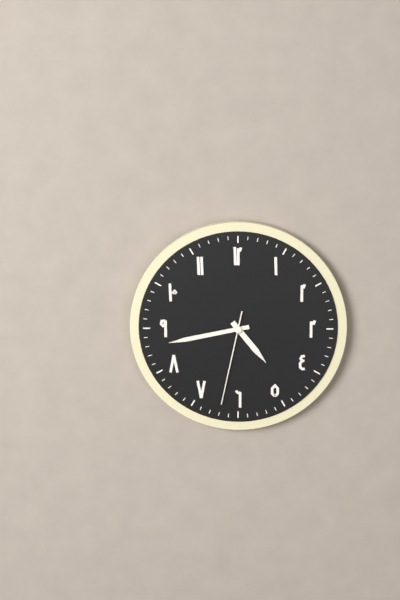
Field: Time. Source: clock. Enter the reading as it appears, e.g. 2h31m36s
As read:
4h43m32s
